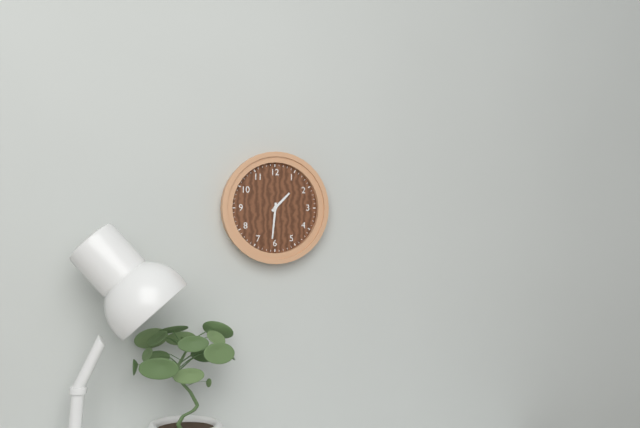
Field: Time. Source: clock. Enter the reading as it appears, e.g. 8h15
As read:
1h31
